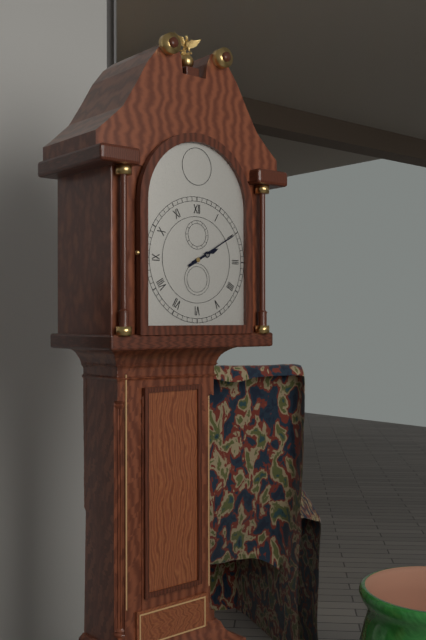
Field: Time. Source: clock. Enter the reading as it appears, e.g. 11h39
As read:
2h10
